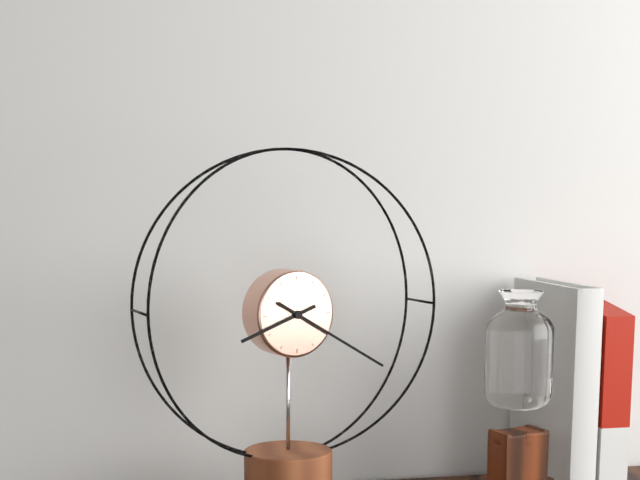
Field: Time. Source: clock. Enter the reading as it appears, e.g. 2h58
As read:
8h20
